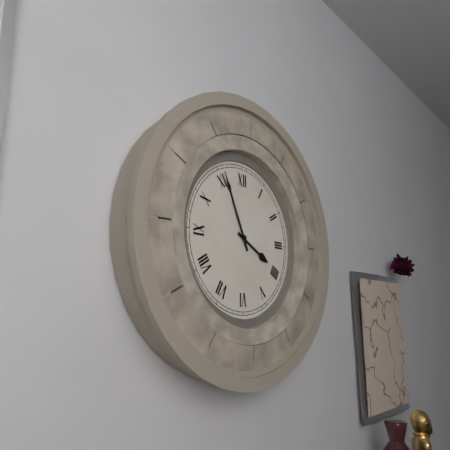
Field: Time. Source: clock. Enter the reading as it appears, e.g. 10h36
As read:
3h56
